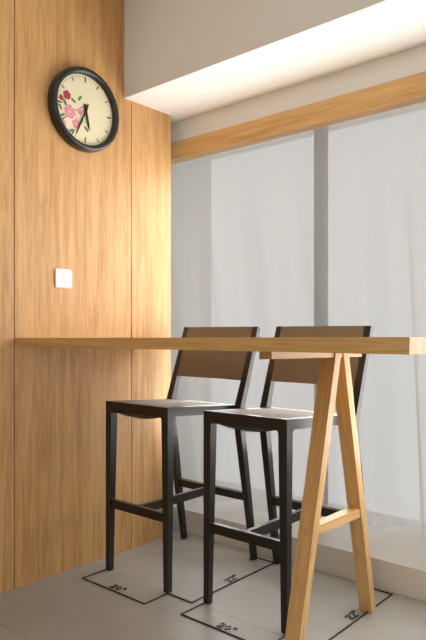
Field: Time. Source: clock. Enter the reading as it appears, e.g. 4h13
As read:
5h34
